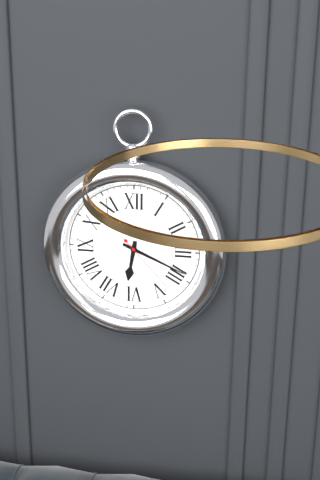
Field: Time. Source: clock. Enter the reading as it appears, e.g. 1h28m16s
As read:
6h19m23s
